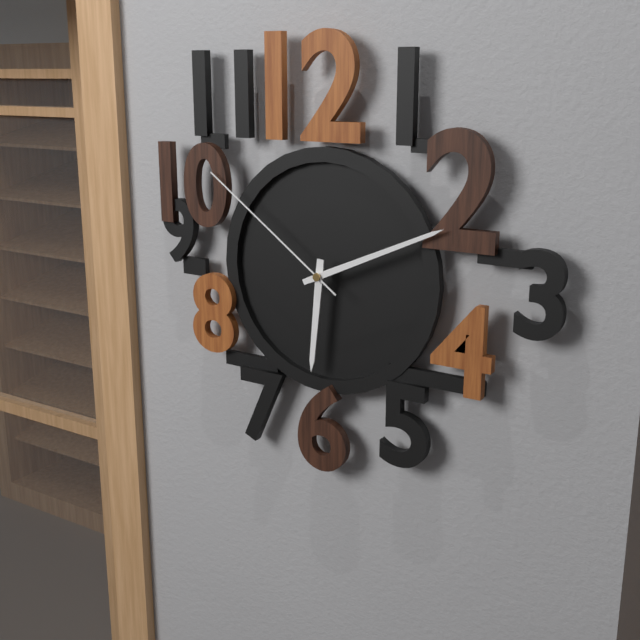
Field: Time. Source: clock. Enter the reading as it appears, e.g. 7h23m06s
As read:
6h11m51s
